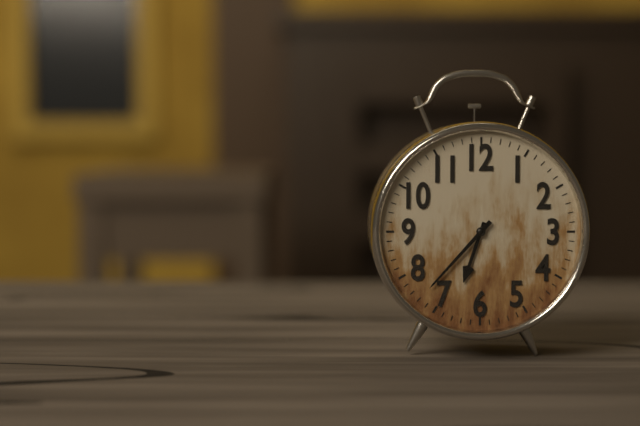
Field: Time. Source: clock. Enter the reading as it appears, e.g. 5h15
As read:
6h37
